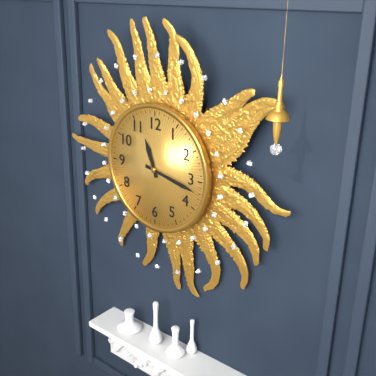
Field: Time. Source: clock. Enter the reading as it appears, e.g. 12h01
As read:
11h17
